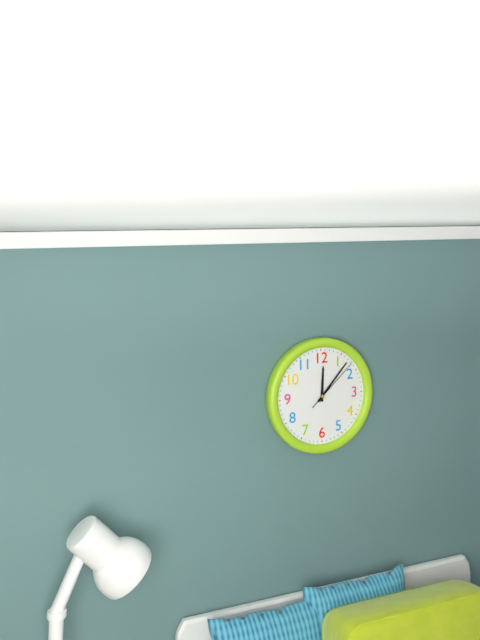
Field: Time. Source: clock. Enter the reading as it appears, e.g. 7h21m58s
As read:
12h07m08s
